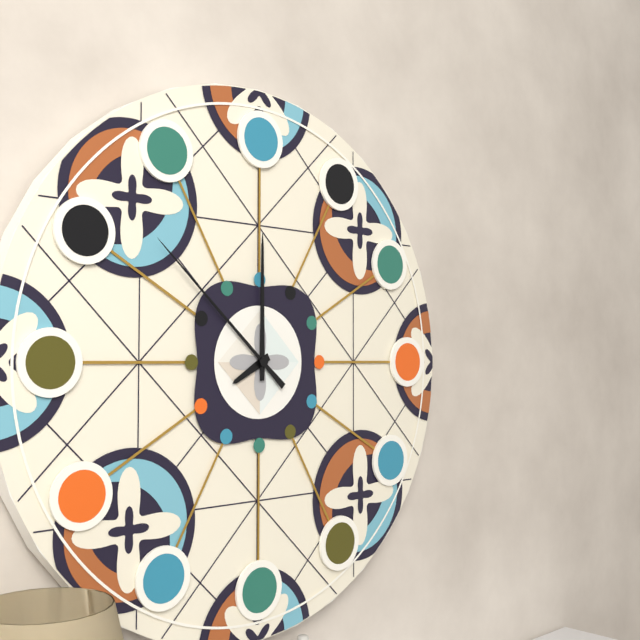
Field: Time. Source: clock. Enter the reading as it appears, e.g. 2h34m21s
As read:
8h00m52s
